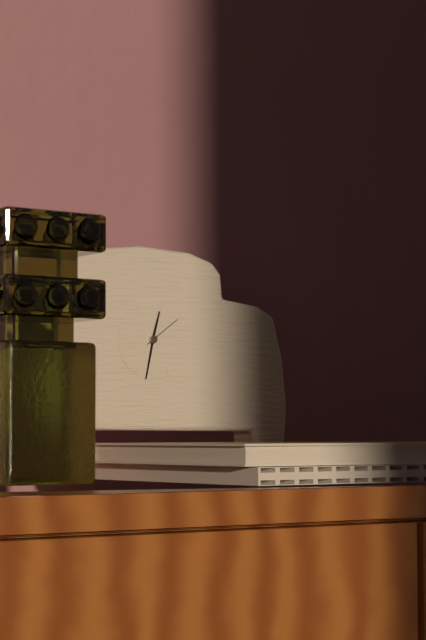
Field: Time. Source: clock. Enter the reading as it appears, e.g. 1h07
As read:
12h32
